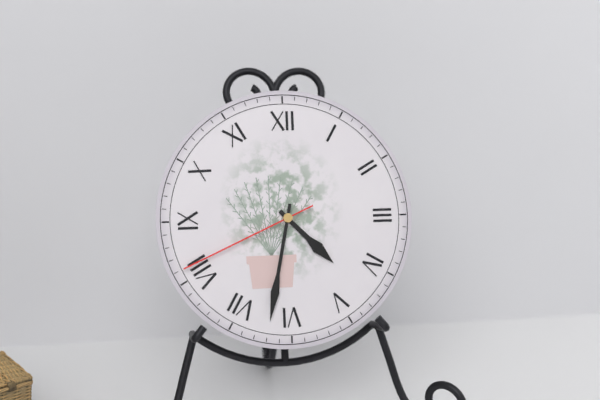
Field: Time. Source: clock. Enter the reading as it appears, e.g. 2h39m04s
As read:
4h32m41s
